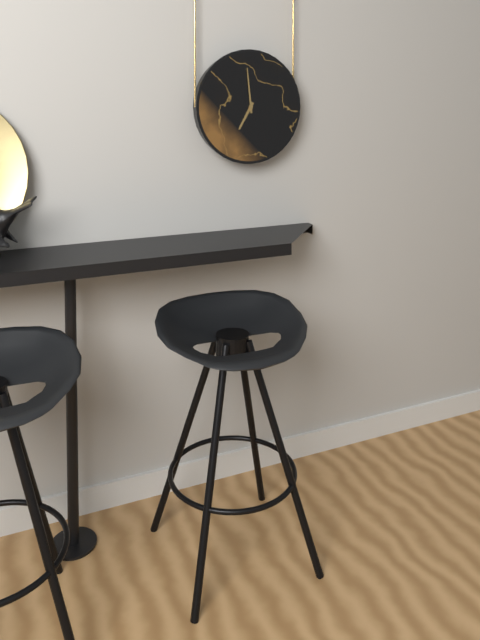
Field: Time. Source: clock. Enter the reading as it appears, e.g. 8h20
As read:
6h59
